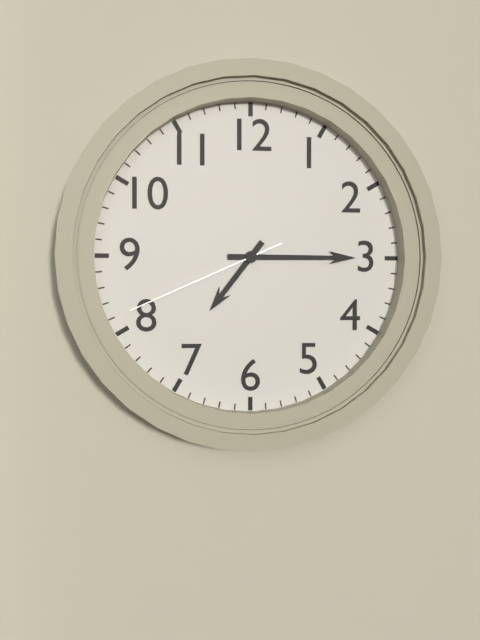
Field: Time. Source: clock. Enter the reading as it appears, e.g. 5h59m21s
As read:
7h15m41s
